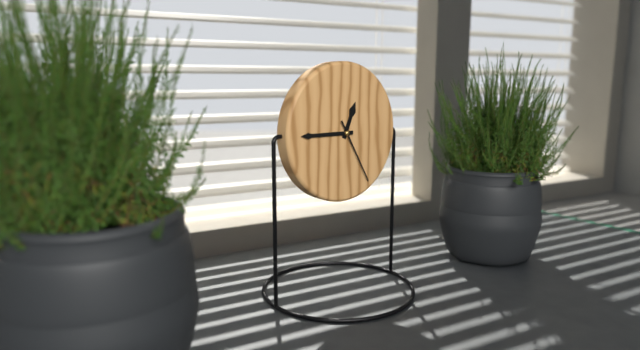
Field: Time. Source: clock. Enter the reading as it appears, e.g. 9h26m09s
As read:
12h45m25s
